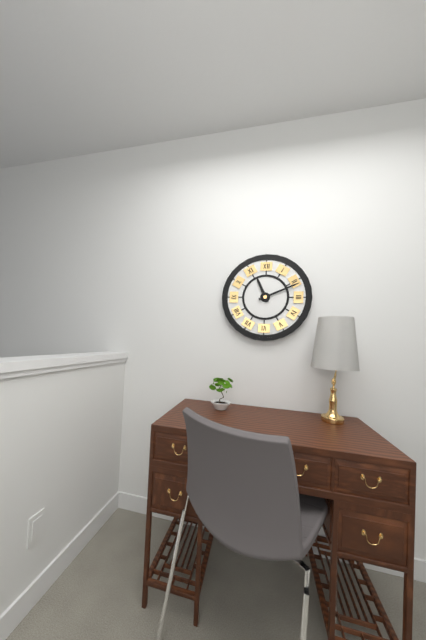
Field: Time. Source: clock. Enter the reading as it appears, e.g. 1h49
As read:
11h11
